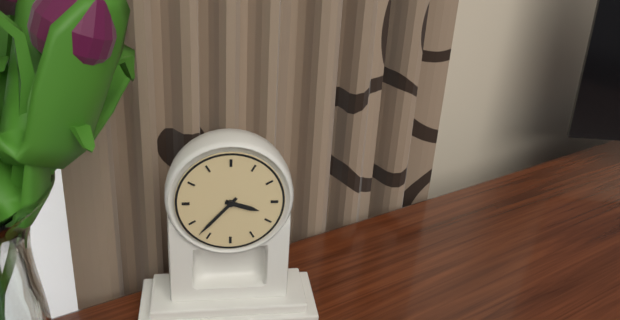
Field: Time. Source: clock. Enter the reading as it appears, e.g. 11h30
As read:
3h37
